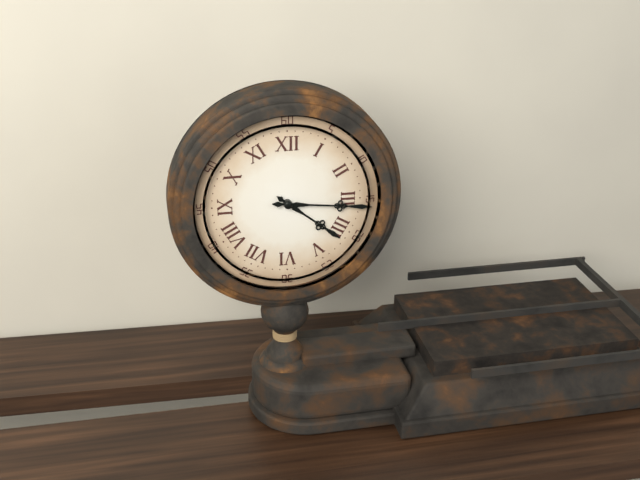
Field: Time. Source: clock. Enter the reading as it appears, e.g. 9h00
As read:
4h16
